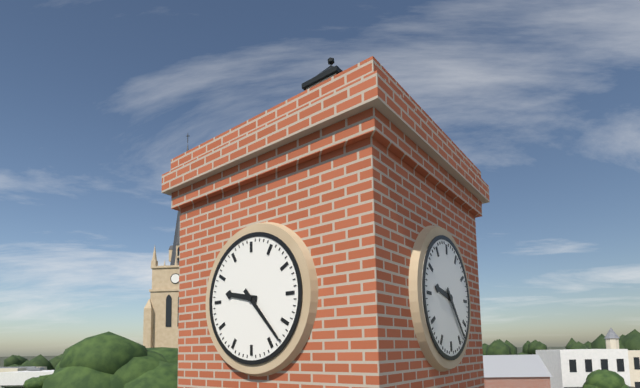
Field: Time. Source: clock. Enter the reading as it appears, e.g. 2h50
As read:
9h23
